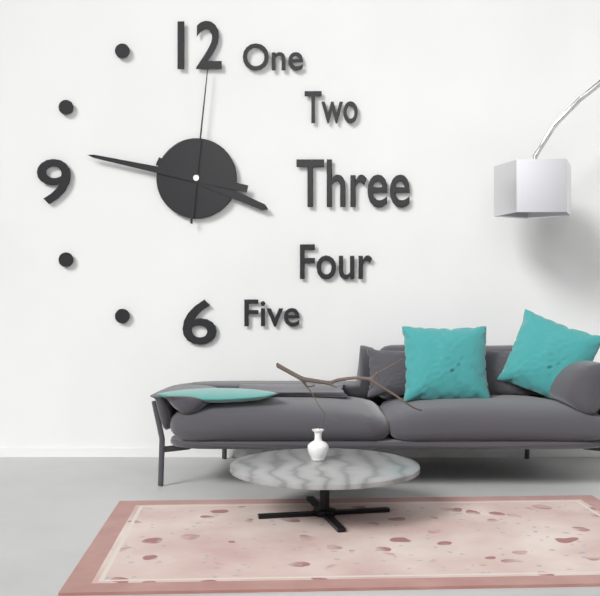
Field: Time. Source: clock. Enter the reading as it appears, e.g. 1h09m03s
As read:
3h47m01s
